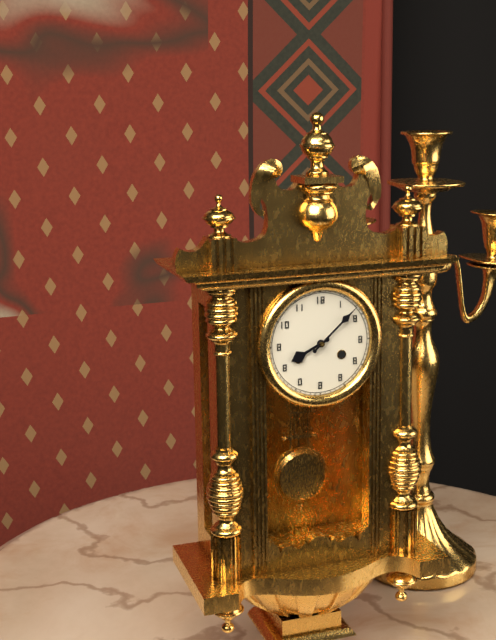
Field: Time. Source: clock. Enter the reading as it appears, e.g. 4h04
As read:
8h08
